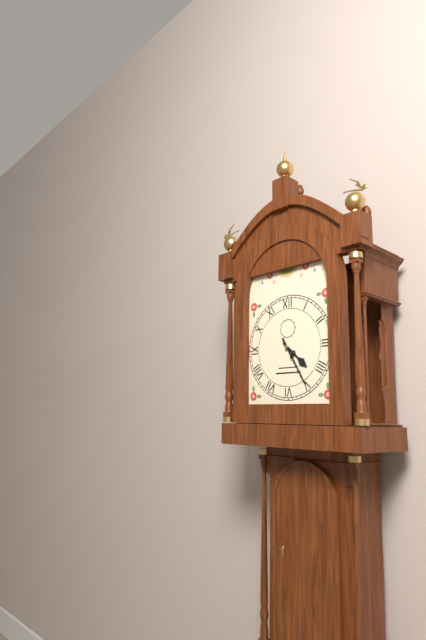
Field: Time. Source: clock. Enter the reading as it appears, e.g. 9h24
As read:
4h25
